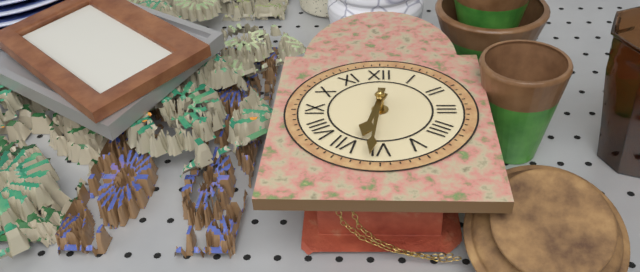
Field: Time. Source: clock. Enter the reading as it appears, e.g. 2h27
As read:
6h31
